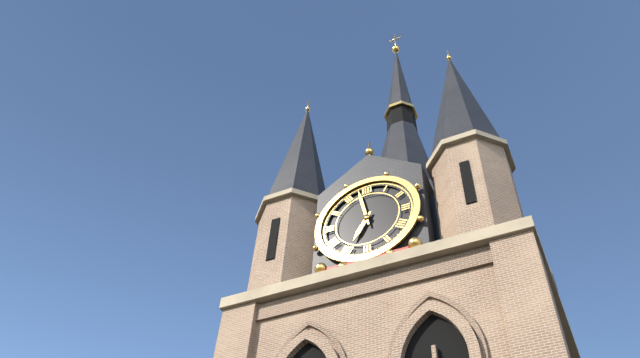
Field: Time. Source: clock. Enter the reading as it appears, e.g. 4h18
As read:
6h58
